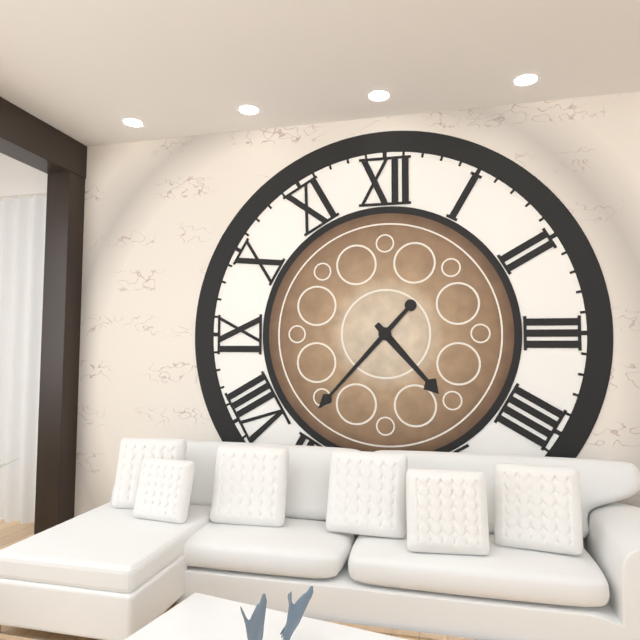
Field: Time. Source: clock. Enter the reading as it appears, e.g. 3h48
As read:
4h37
